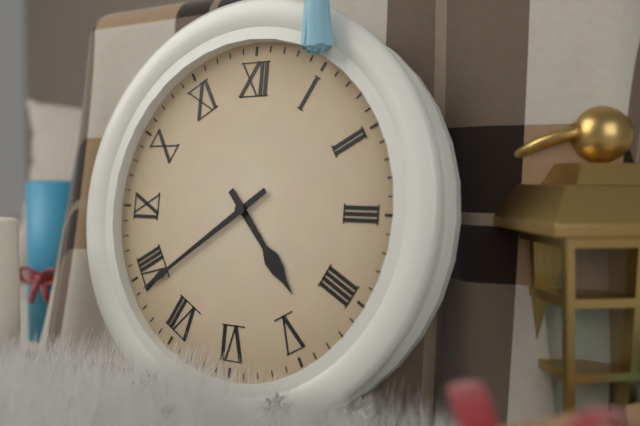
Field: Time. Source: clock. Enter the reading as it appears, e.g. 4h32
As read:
4h39
